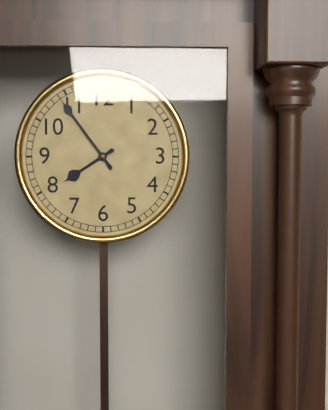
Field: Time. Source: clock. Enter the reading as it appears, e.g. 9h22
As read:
7h54
